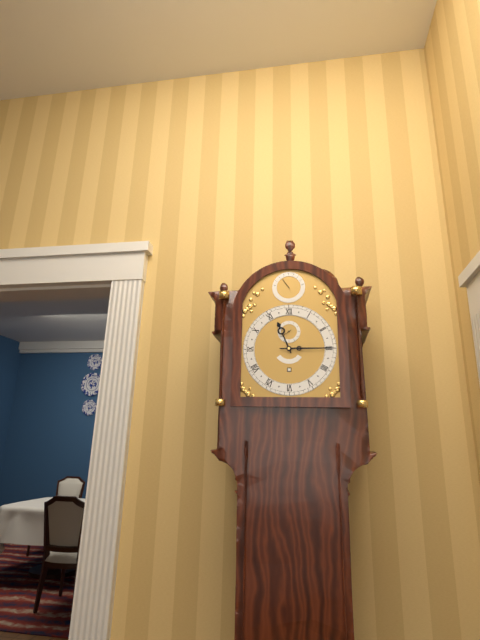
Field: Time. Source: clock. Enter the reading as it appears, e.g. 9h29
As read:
11h15
